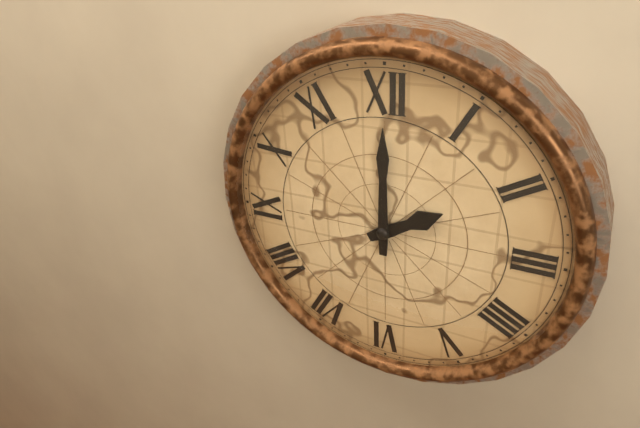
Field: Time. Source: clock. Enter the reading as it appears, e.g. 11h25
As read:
2h00
